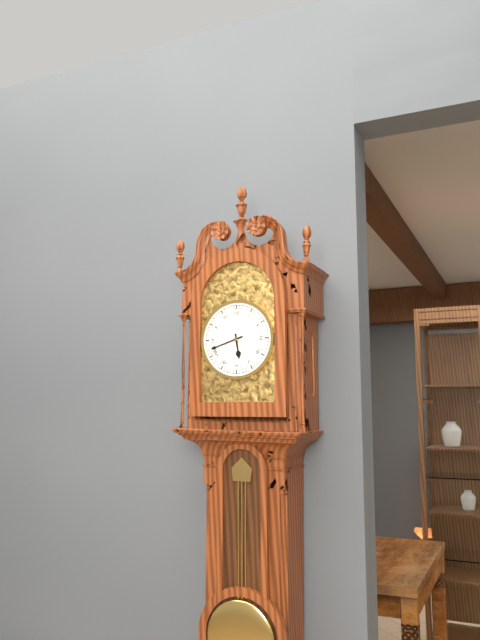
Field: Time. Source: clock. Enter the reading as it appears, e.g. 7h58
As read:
5h42
